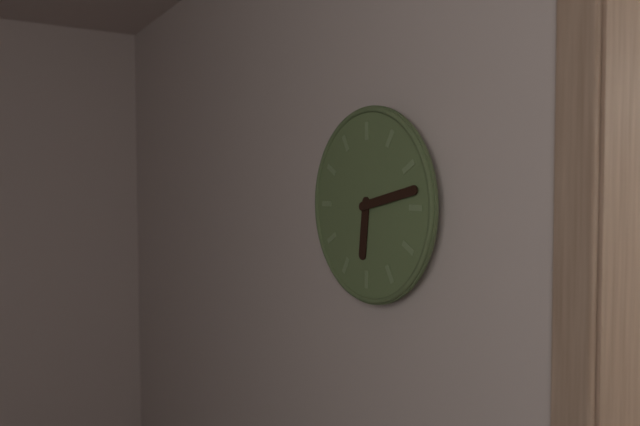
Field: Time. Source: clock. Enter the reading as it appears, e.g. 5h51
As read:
6h13
